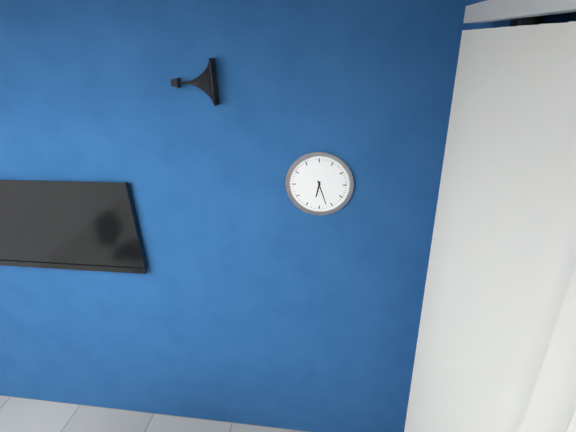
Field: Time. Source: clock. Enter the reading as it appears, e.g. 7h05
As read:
6h27
